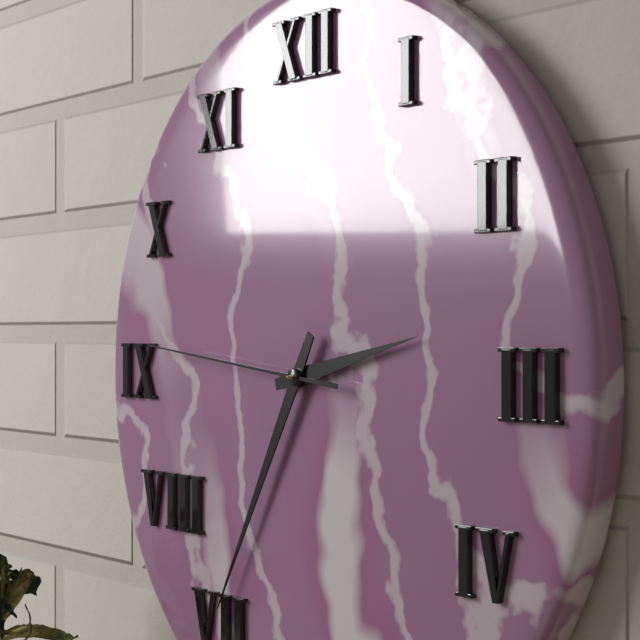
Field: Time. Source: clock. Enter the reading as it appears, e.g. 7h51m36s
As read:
2h35m46s
